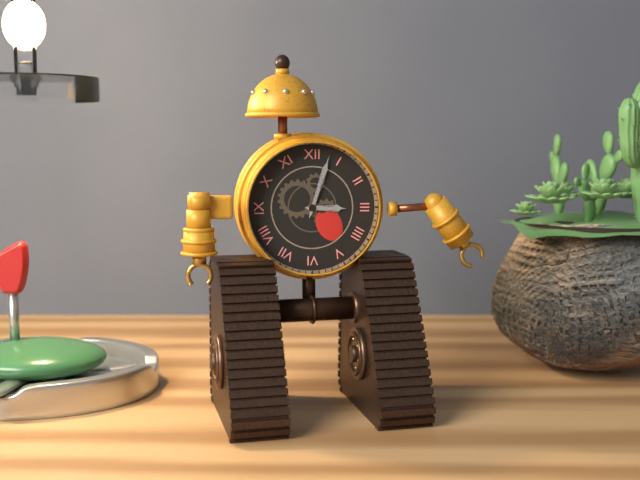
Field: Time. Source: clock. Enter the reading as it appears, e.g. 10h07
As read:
3h03
